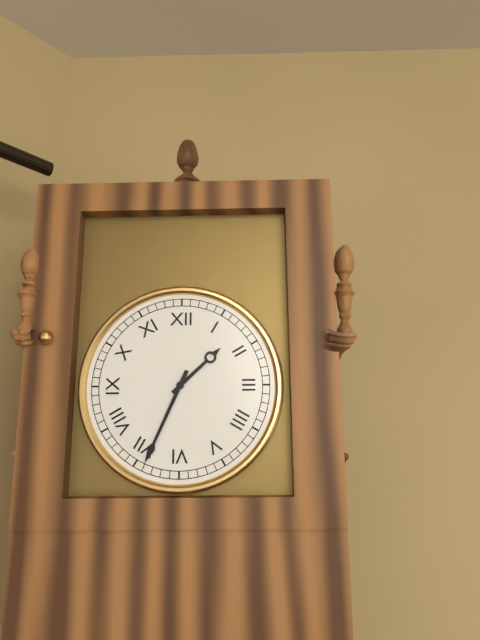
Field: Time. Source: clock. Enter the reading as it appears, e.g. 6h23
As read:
1h34
